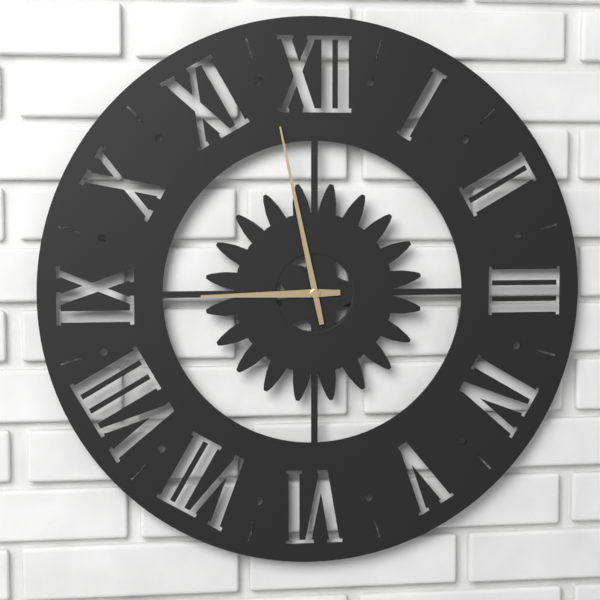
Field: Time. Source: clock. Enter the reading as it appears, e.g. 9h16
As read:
8h58
